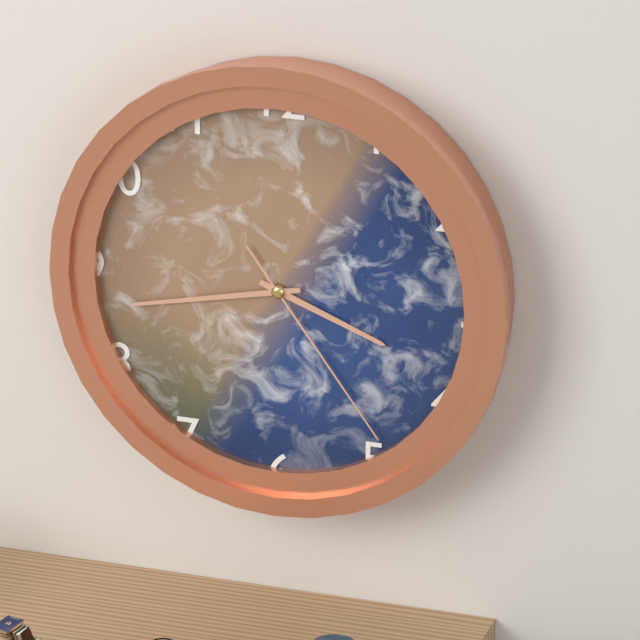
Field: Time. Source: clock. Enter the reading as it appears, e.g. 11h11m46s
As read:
3h43m24s
